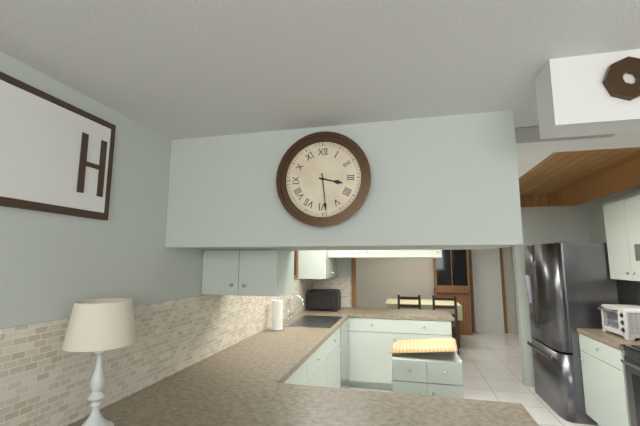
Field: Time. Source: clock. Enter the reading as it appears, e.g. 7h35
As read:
3h29
